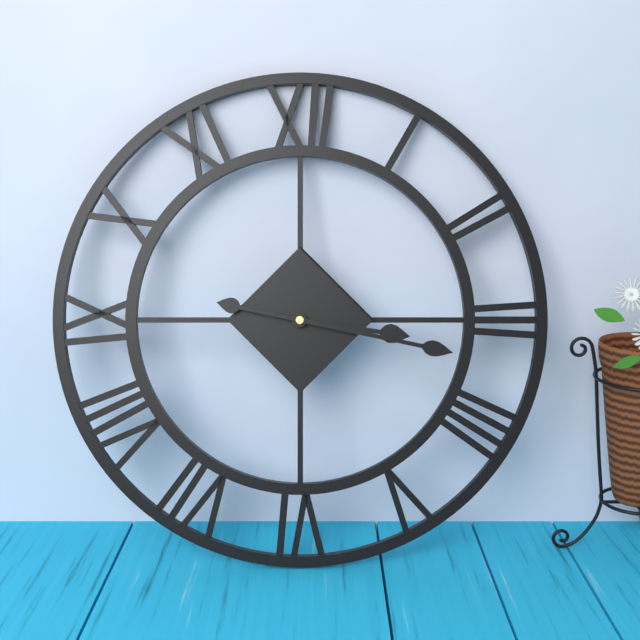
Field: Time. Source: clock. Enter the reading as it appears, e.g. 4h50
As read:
3h17
